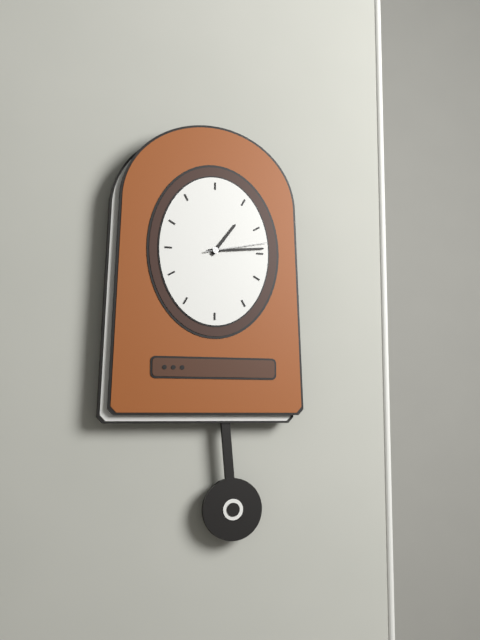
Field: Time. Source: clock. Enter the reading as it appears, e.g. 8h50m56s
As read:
1h14m13s
